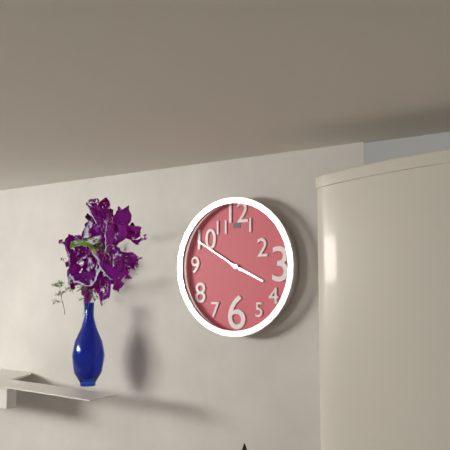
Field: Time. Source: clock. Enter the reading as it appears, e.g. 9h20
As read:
3h50
